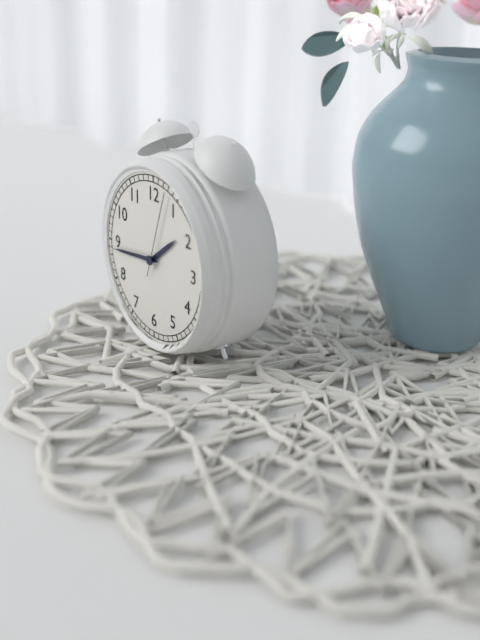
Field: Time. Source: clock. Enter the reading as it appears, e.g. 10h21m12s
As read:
1h44m03s
